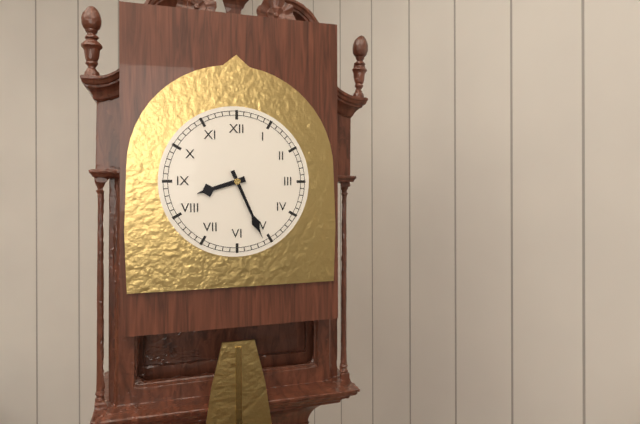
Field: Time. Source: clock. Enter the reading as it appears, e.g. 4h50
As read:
8h26
